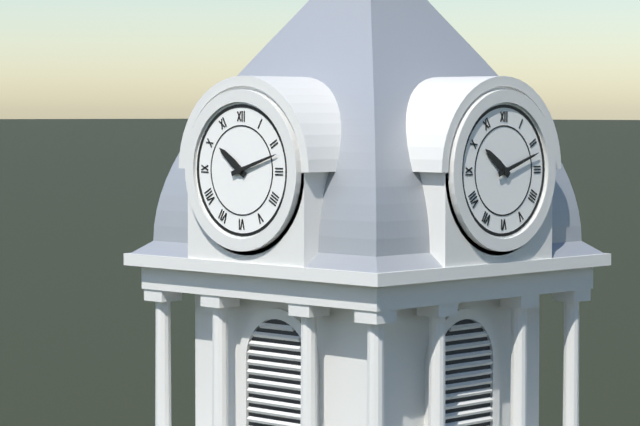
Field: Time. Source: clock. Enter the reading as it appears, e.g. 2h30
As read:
10h12
